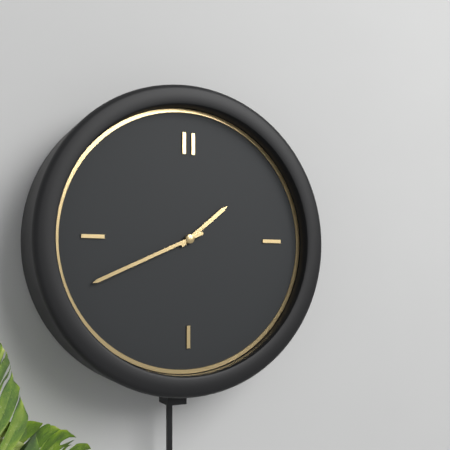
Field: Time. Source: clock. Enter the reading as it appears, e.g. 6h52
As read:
1h41
